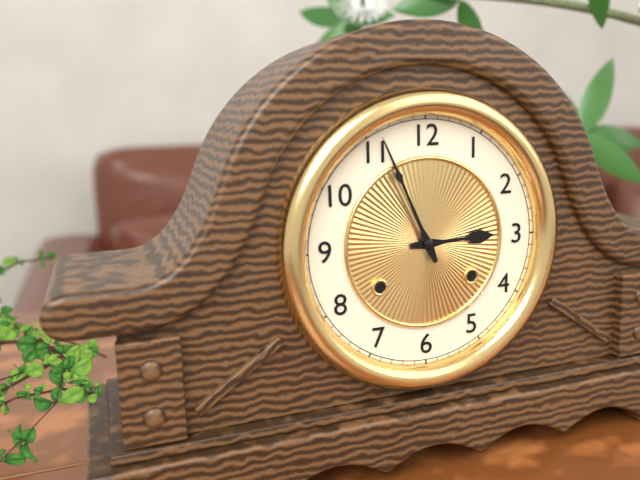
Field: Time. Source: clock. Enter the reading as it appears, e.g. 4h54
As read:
2h56
